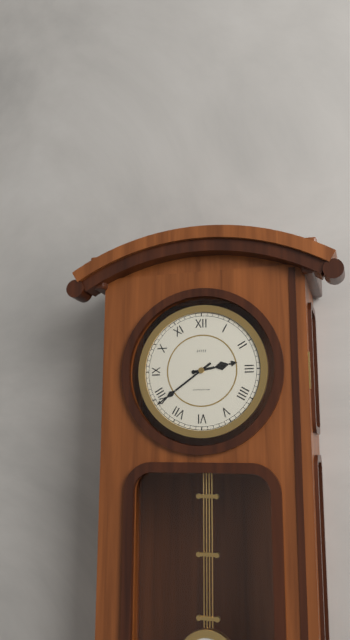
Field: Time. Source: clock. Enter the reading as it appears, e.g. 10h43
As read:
2h39
